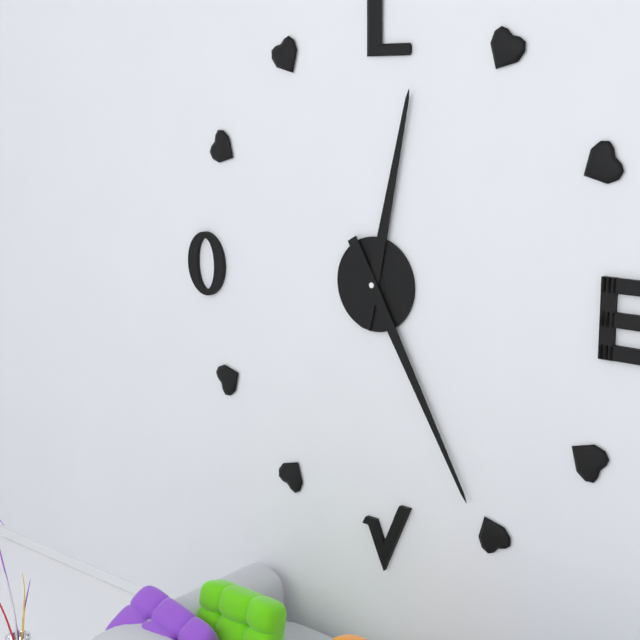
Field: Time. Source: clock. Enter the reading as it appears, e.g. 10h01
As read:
12h25
